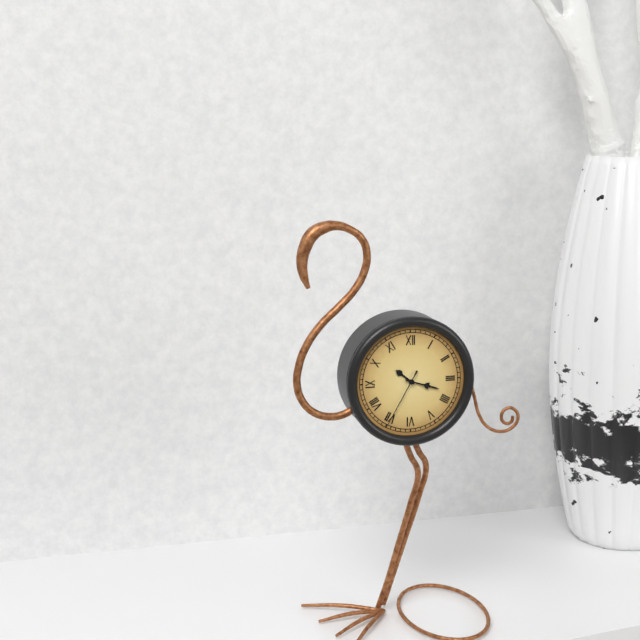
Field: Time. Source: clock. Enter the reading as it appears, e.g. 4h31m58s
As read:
10h18m35s
